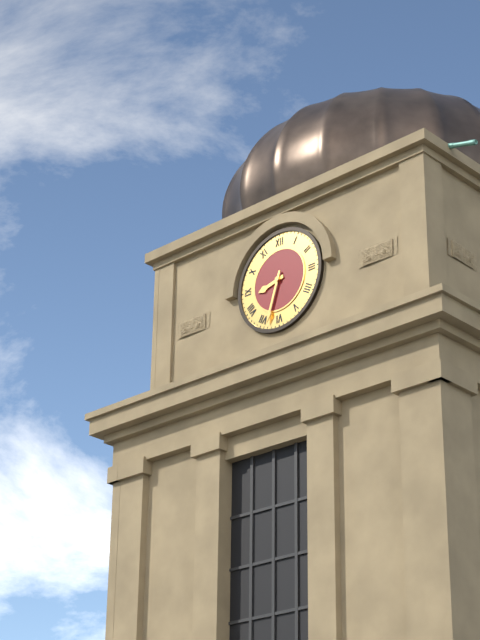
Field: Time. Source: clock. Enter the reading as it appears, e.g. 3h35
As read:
8h33
